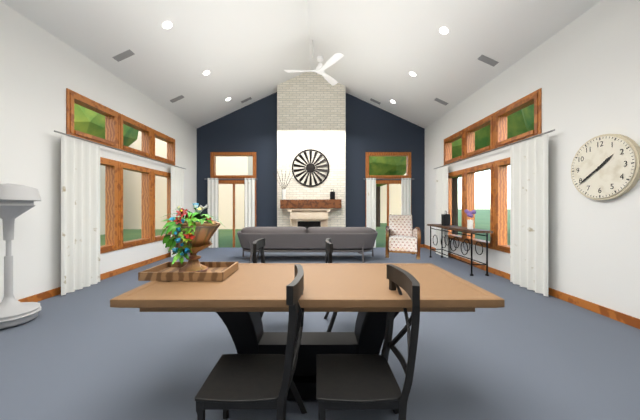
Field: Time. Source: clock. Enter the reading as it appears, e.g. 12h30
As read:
1h39
